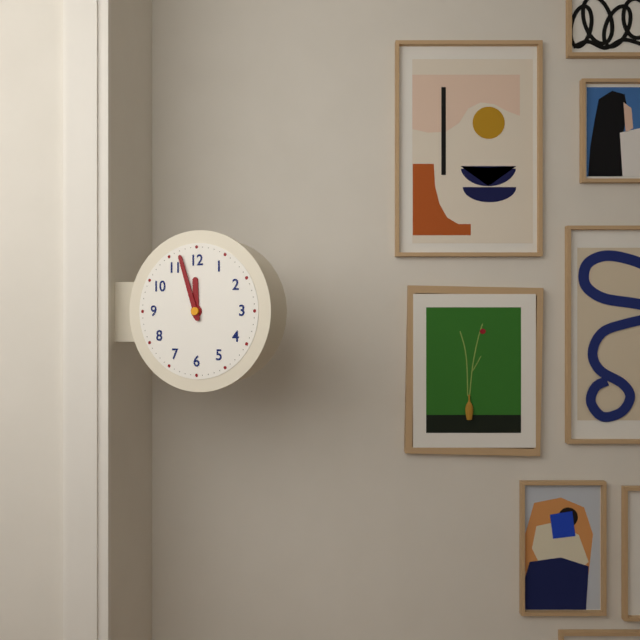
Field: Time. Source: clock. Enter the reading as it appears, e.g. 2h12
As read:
11h57
